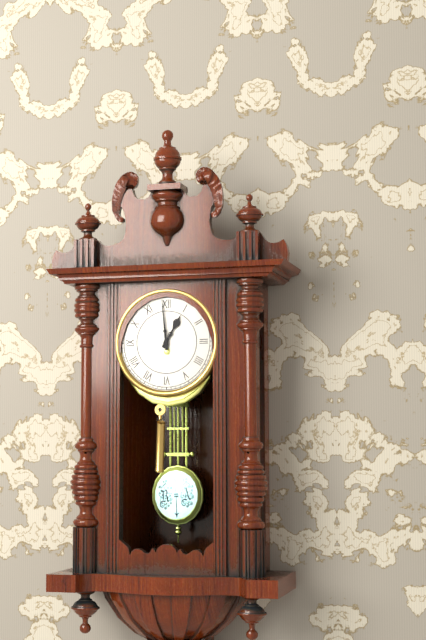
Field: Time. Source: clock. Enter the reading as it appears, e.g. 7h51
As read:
12h59
